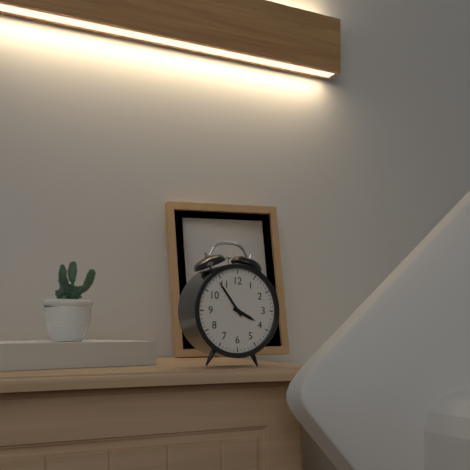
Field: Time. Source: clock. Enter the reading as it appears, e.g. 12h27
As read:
3h54
